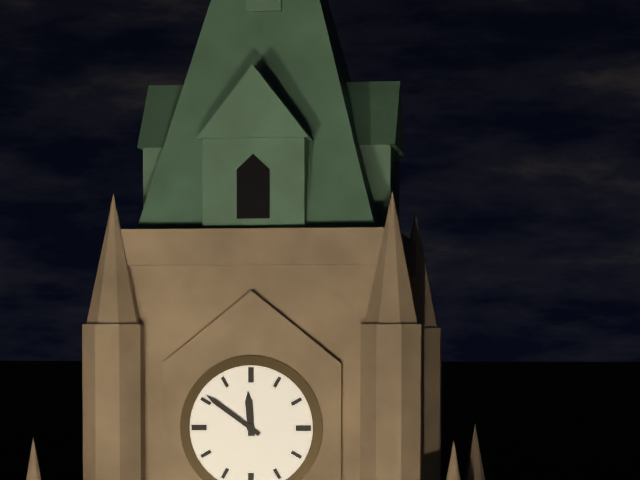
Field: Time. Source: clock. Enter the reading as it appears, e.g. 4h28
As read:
11h51
